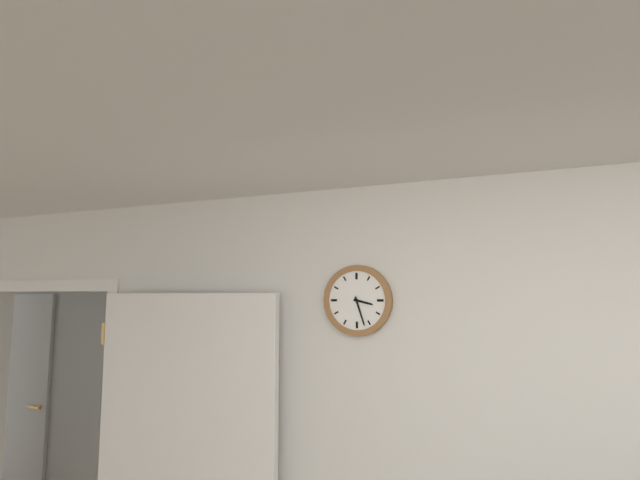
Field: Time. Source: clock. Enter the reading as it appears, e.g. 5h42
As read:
3h27
